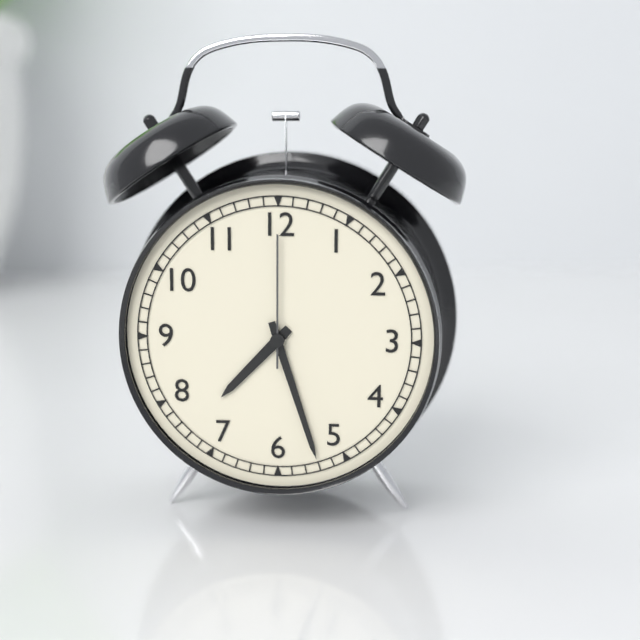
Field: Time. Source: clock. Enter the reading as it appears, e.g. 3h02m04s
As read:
7h27m00s
